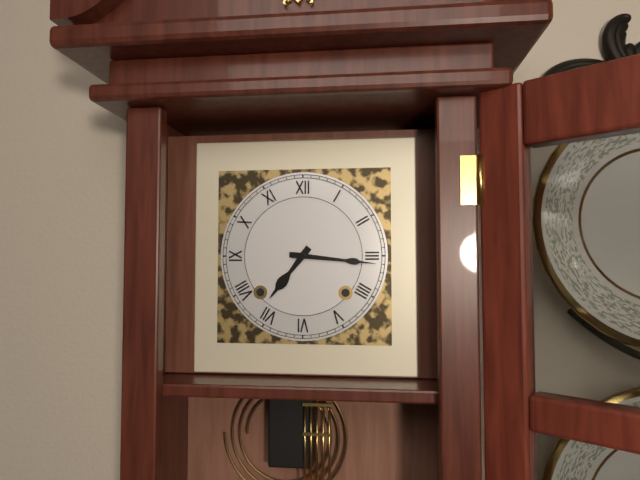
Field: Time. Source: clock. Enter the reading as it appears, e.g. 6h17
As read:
7h16
